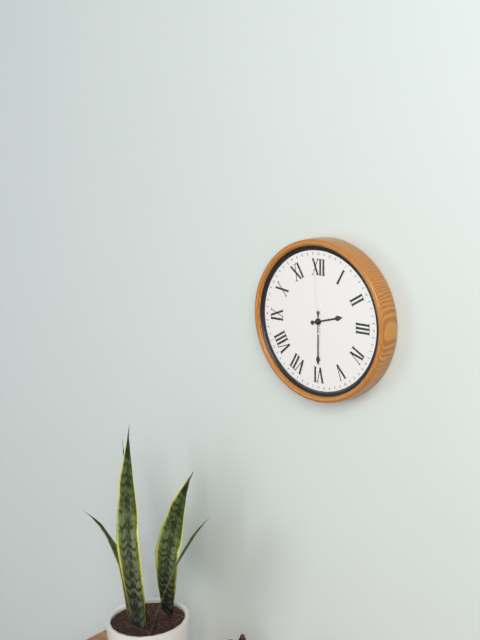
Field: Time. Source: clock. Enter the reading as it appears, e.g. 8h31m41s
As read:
2h30m59s
